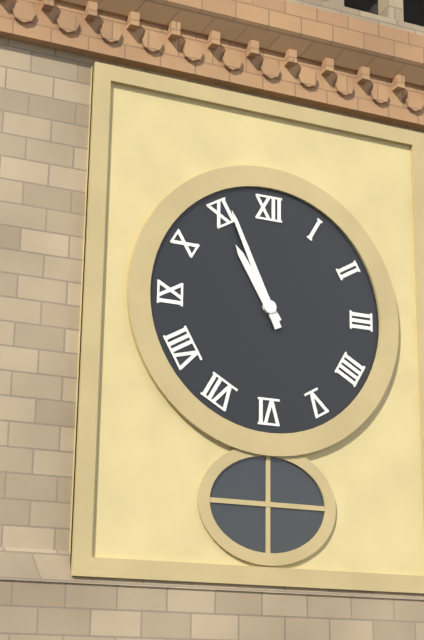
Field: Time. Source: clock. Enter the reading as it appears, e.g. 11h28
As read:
10h56
